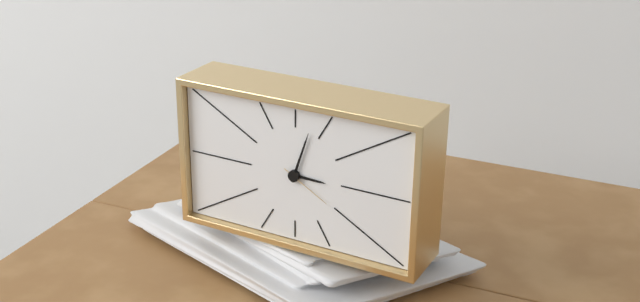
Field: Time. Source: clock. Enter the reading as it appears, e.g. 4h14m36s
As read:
3h03m20s
